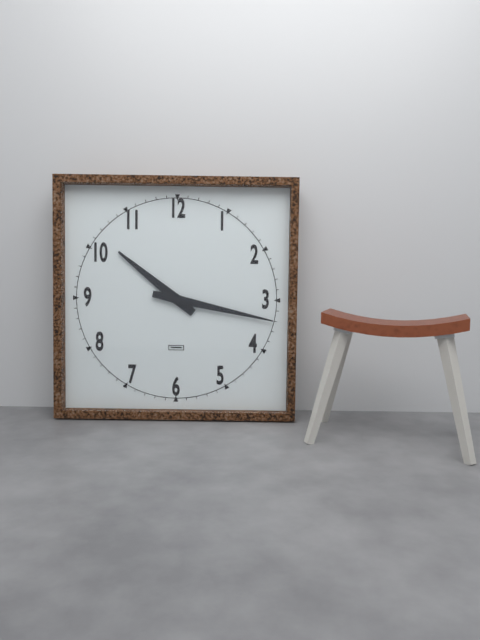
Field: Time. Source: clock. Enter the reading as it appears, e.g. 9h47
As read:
10h17
